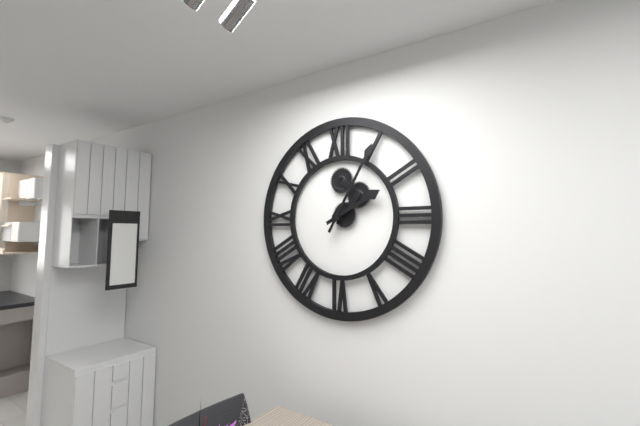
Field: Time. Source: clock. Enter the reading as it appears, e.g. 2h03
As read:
2h05
